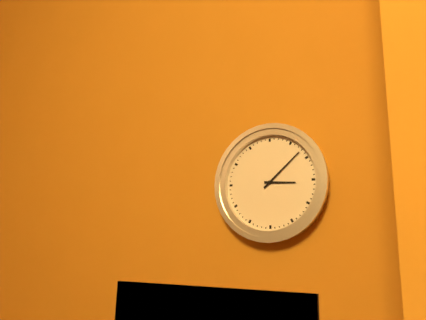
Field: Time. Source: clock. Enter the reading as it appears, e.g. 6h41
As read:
3h08
